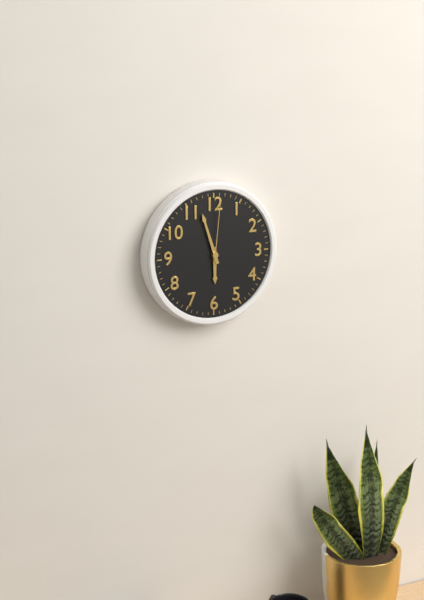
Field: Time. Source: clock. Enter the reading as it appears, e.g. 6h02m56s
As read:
5h57m01s
